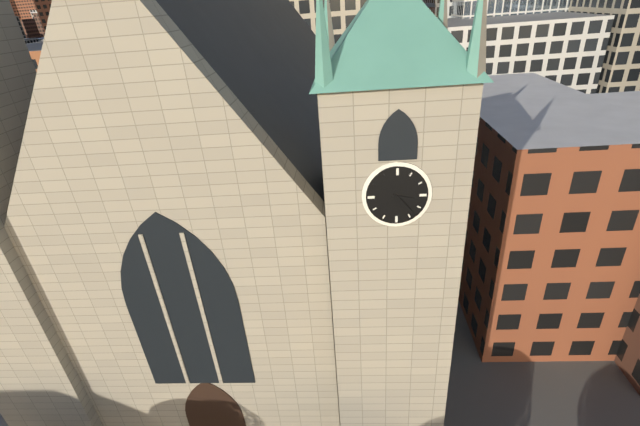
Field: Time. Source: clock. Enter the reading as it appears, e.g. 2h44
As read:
3h23
